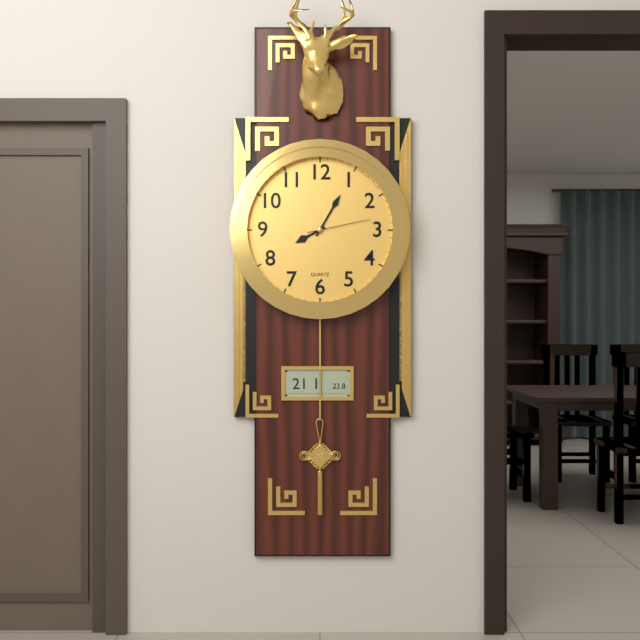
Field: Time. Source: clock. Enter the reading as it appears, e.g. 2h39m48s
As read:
8h05m13s
